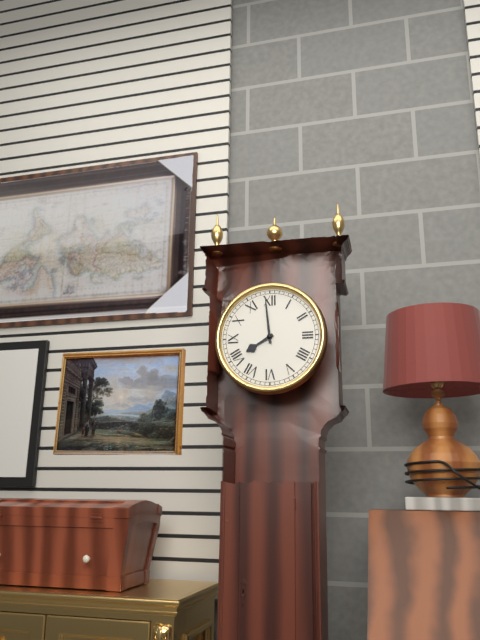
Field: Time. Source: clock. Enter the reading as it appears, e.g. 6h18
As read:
7h59
